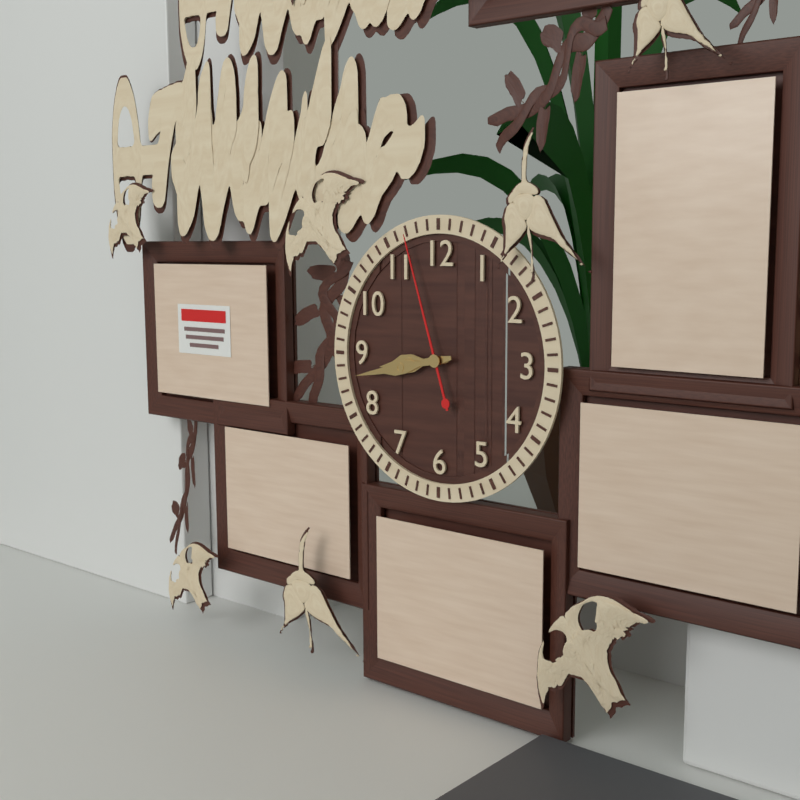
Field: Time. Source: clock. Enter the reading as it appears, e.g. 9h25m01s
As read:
8h43m57s
